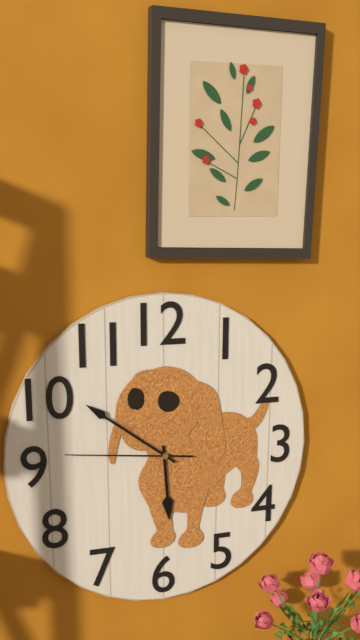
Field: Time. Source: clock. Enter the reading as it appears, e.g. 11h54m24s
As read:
5h51m46s
